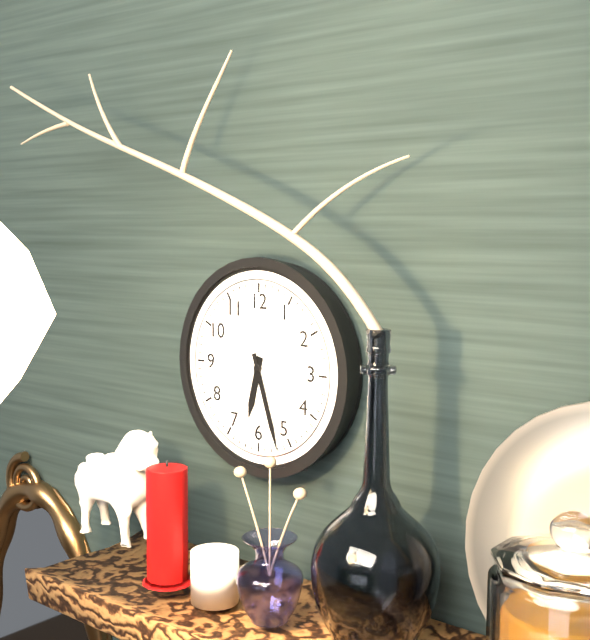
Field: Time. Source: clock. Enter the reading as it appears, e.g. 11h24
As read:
6h27
